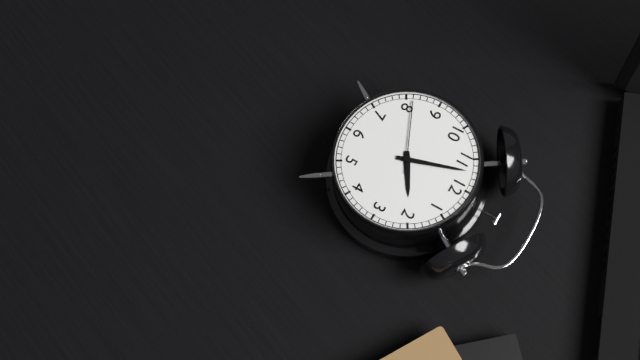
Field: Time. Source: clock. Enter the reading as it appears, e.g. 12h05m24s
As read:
1h57m41s
